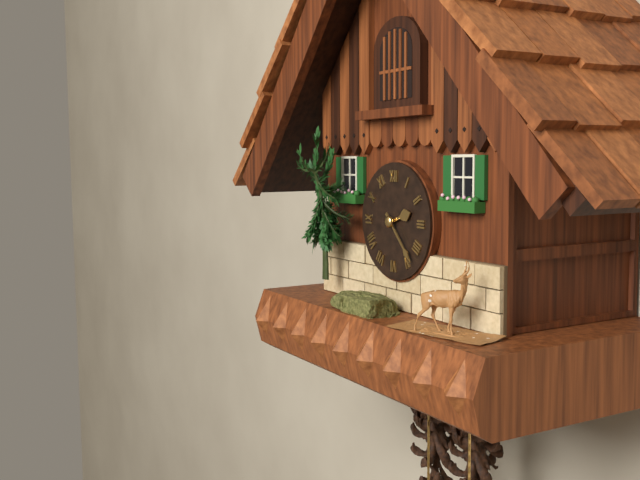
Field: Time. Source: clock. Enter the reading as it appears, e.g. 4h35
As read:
2h23
